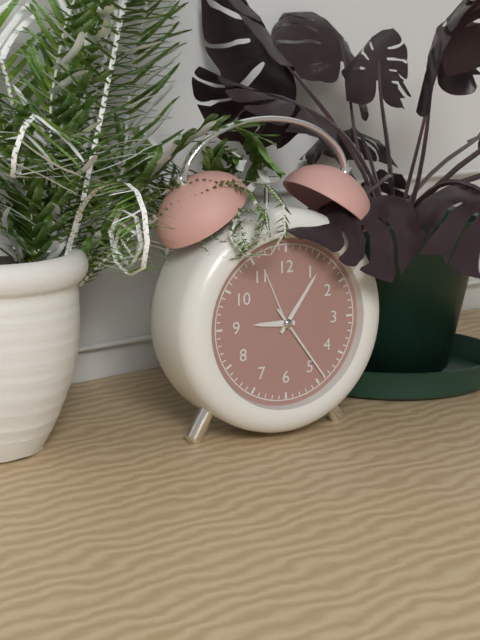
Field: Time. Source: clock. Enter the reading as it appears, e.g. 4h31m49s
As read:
9h06m24s
